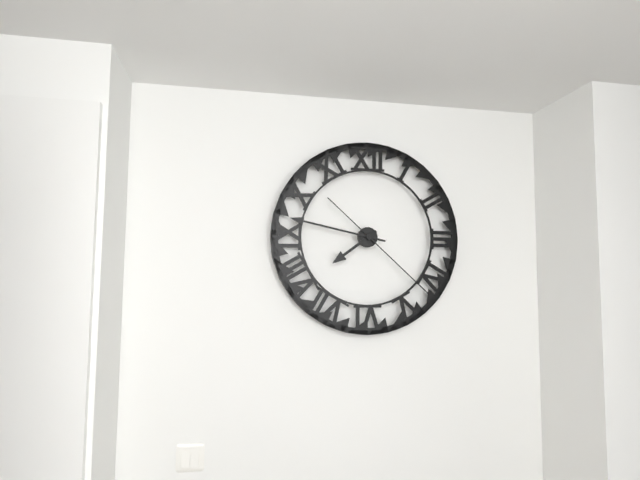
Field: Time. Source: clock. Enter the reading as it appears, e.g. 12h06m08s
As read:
7h47m22s
